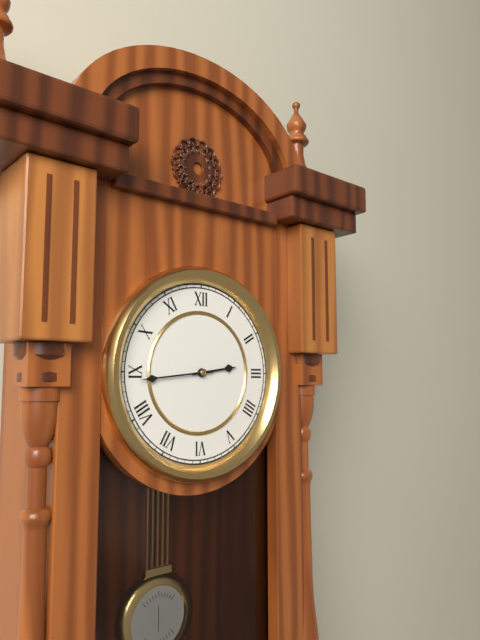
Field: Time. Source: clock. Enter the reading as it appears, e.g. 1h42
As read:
2h44
